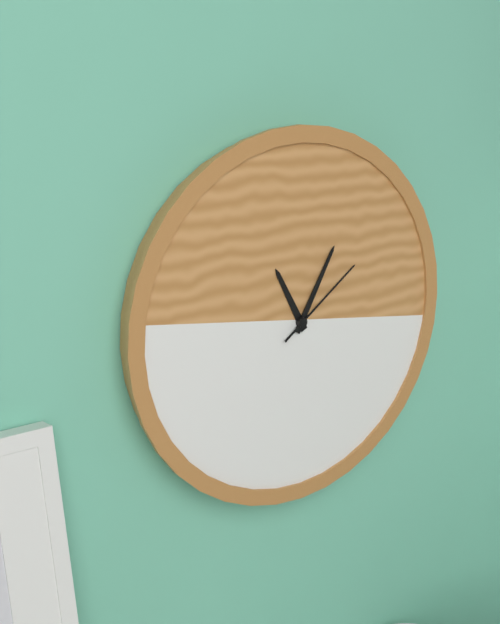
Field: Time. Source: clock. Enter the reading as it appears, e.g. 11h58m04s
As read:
11h05m09s
